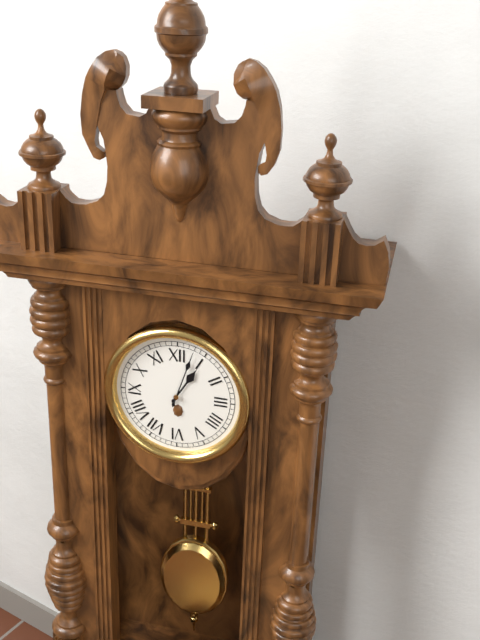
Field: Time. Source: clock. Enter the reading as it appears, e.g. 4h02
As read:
1h03
